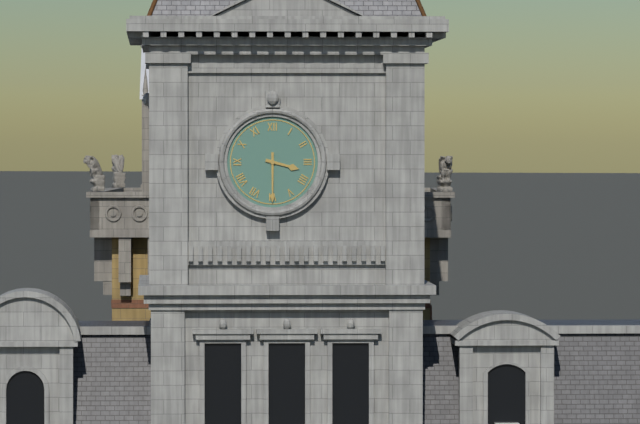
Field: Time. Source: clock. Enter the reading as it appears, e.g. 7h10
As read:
3h30
